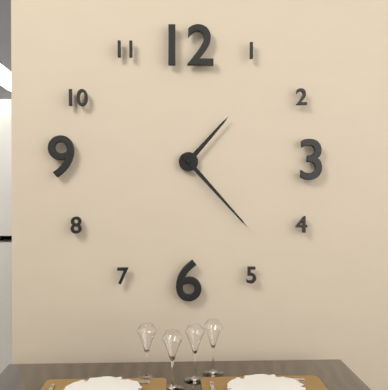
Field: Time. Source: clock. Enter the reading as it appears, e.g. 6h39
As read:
1h23
